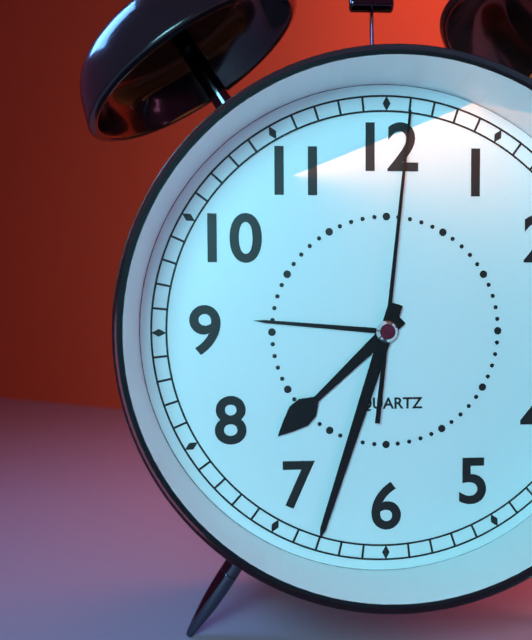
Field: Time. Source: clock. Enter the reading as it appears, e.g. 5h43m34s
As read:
7h33m01s
